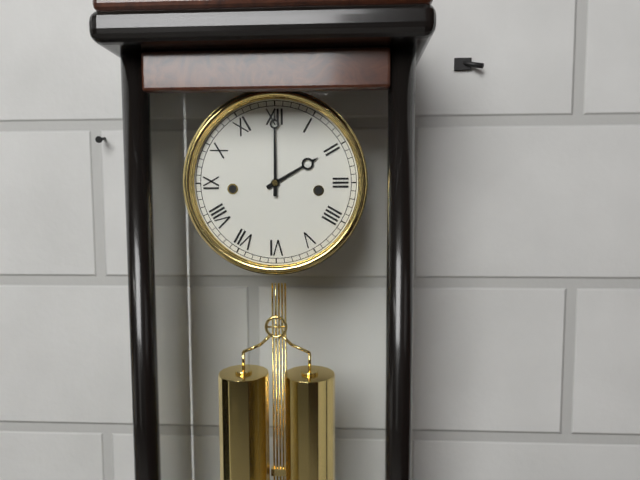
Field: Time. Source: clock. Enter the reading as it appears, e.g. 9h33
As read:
2h00
